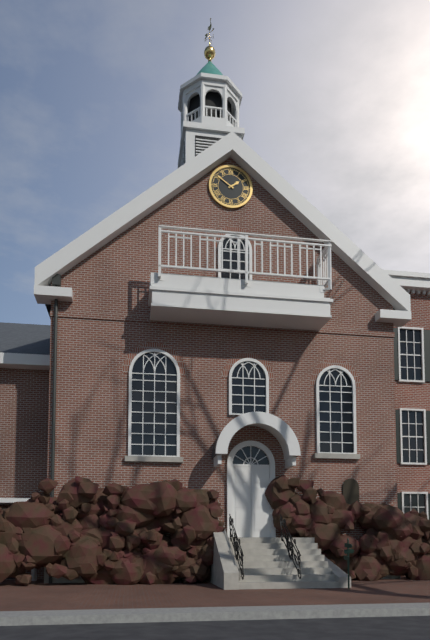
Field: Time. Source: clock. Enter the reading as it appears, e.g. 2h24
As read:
1h51
